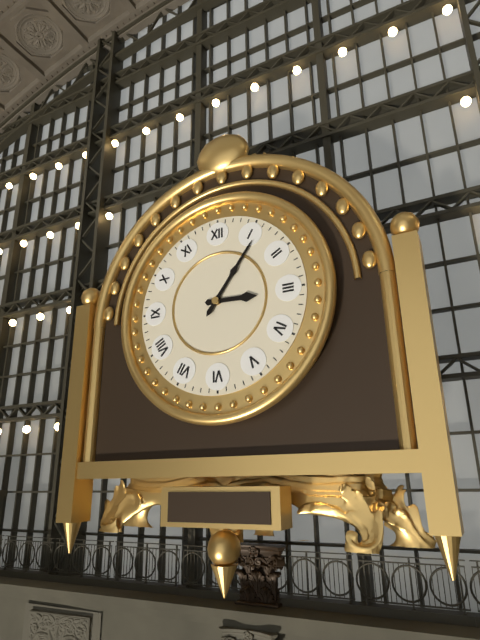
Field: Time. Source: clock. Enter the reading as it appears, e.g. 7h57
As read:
3h06
